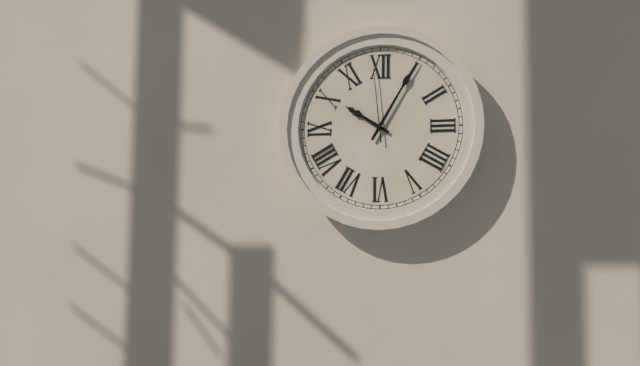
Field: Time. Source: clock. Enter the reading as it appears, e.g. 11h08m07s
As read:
10h05m59s
